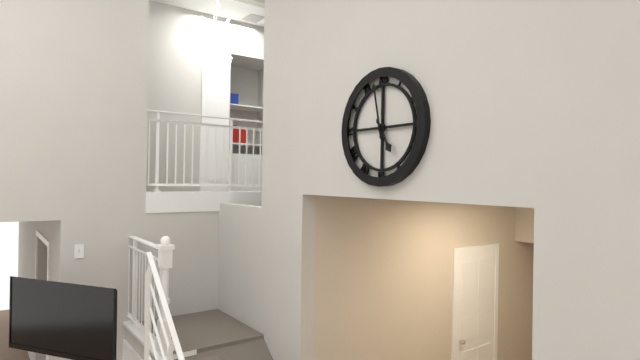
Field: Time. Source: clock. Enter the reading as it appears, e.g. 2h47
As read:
4h58
